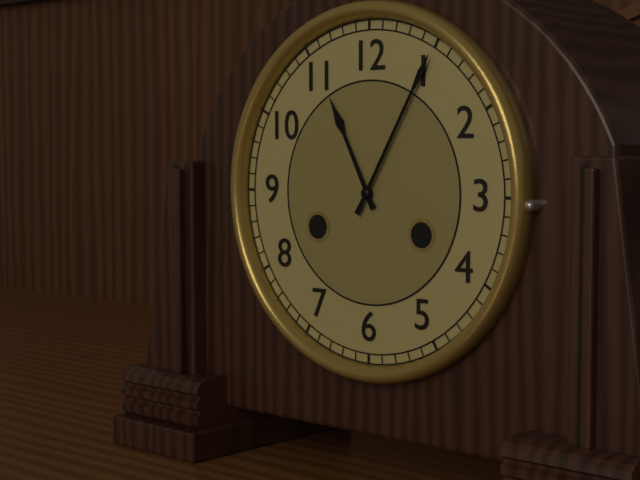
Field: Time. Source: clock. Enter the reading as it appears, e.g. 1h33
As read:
11h05
